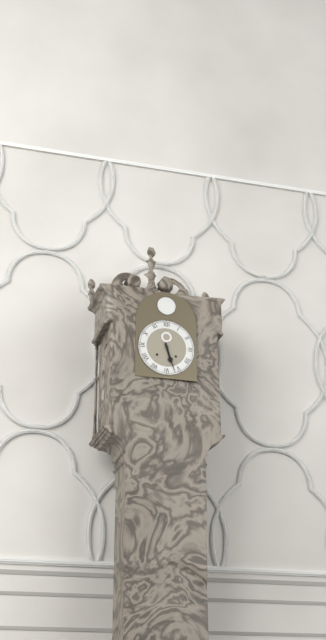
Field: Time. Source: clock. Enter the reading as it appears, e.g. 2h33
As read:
5h27
